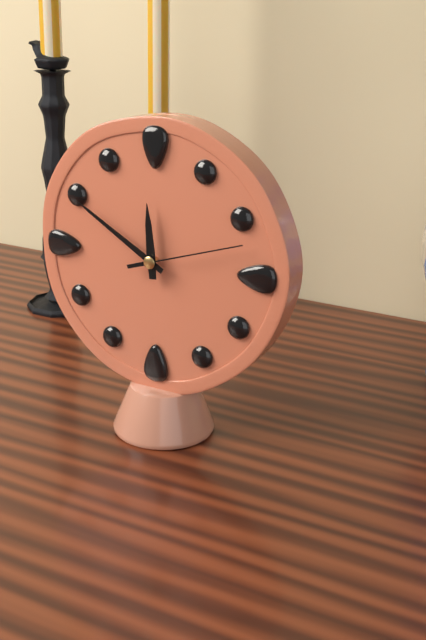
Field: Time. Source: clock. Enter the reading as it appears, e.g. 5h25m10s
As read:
11h50m12s
